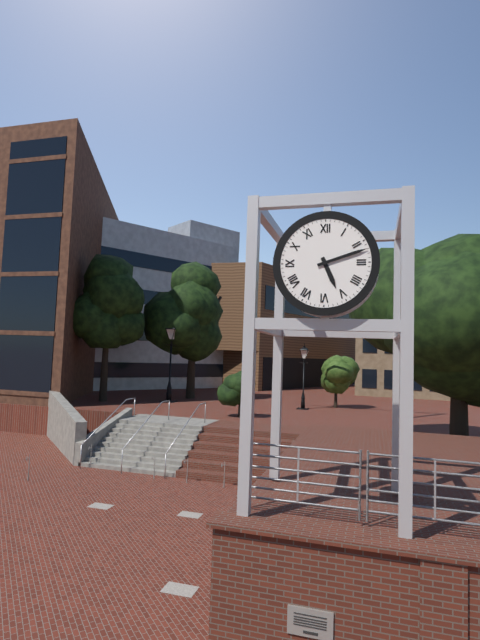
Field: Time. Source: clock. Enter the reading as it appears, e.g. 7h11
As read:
5h12
